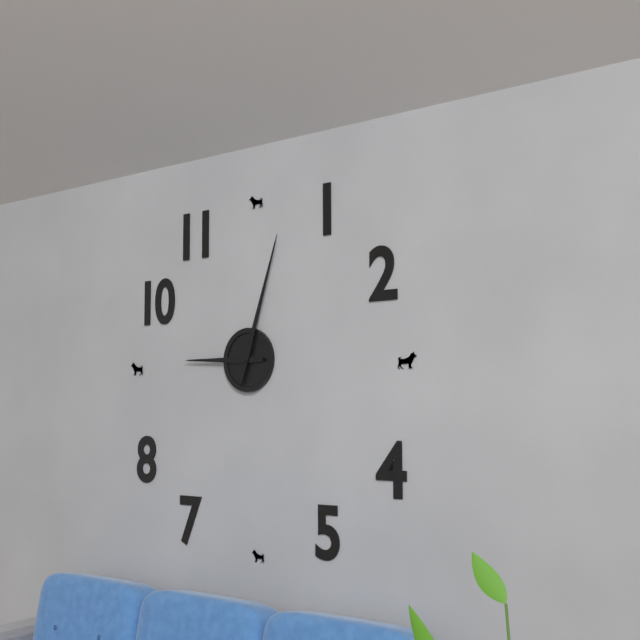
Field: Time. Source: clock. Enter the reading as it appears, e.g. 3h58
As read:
9h03
